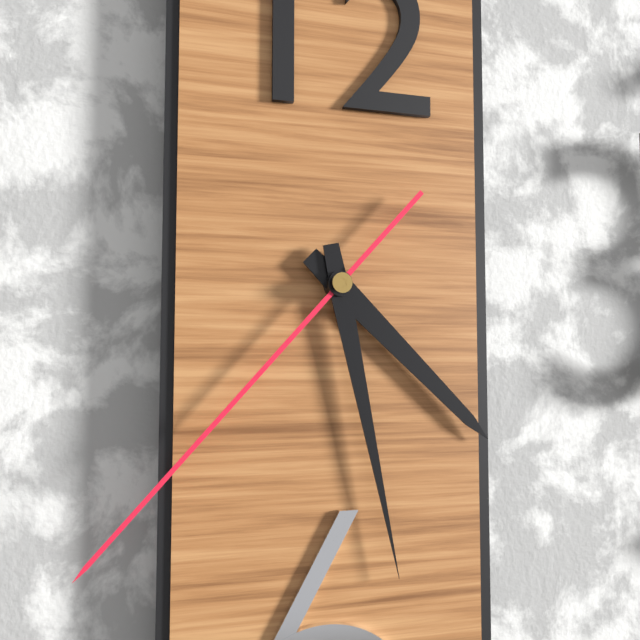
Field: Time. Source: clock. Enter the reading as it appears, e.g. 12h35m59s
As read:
4h28m37s
